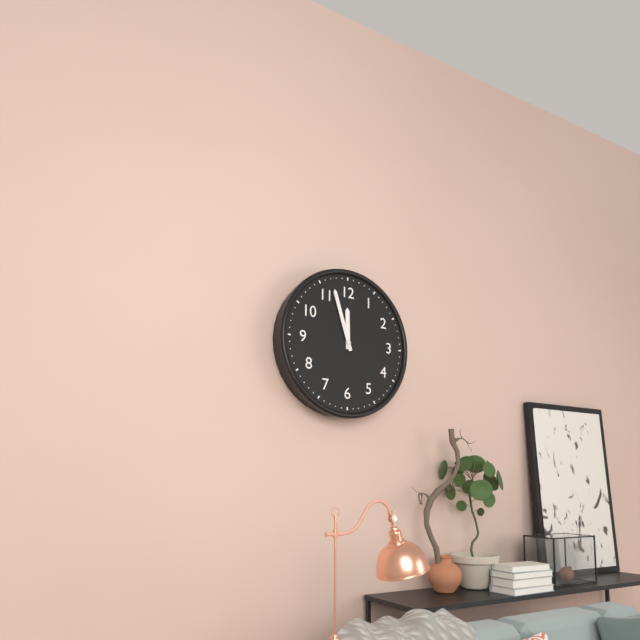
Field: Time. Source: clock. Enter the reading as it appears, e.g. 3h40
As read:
11h57
